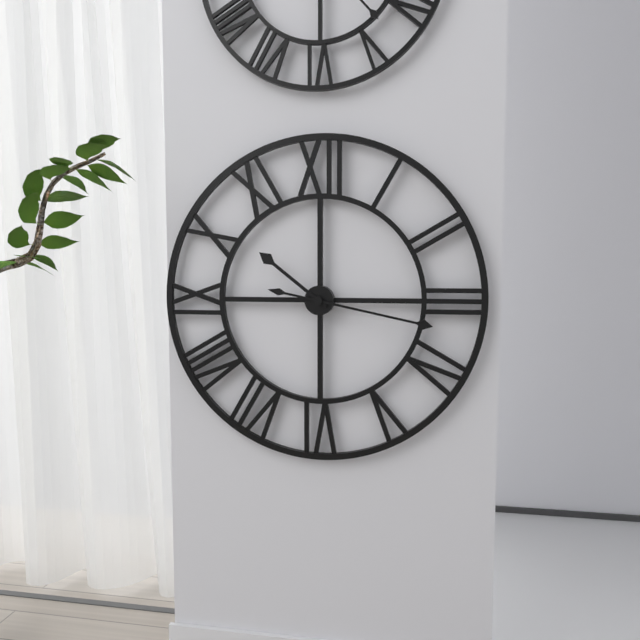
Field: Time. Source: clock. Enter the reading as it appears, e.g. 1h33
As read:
10h17
